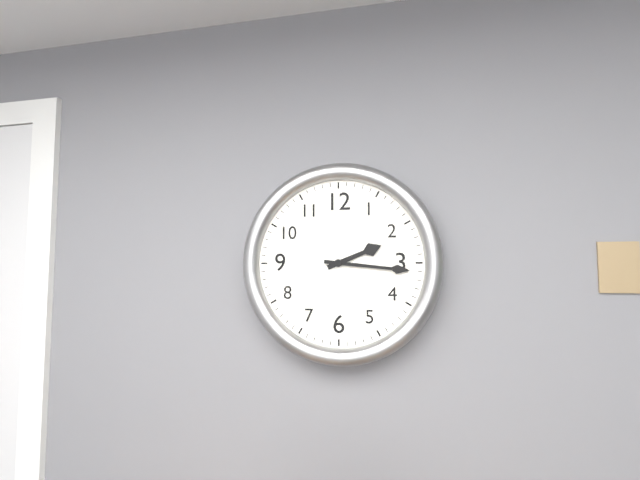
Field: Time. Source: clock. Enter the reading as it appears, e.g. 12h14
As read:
2h16
